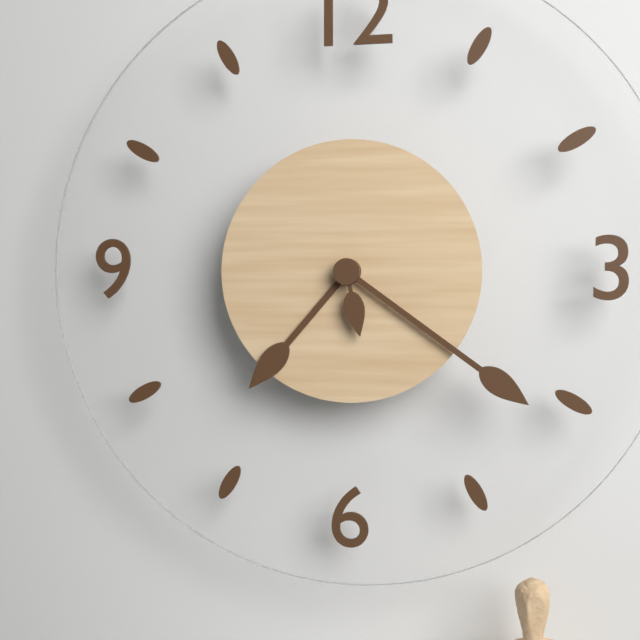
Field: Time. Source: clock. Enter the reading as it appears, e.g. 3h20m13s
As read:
7h21m28s
